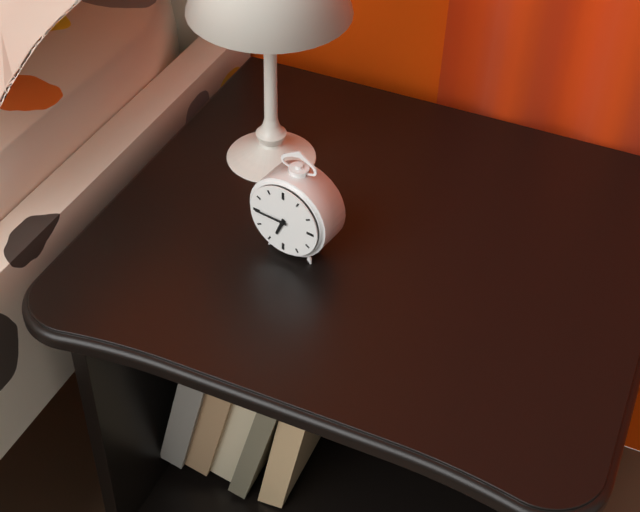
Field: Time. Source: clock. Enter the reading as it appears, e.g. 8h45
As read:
6h45
